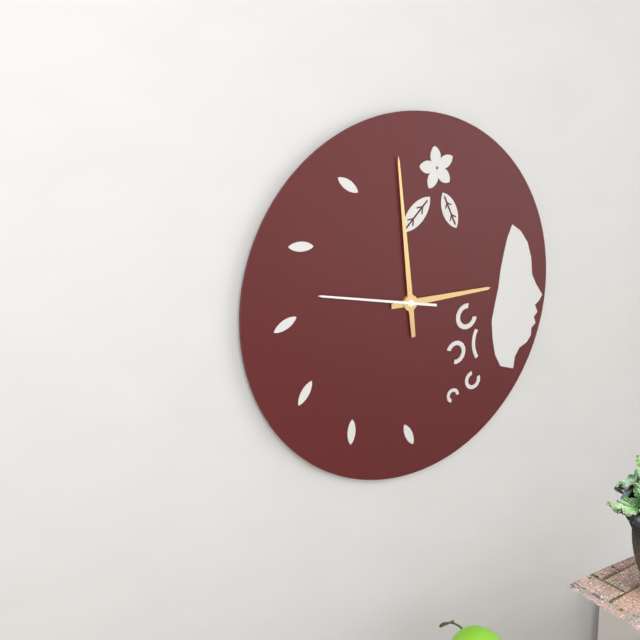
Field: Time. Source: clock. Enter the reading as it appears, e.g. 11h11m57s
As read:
2h59m47s
